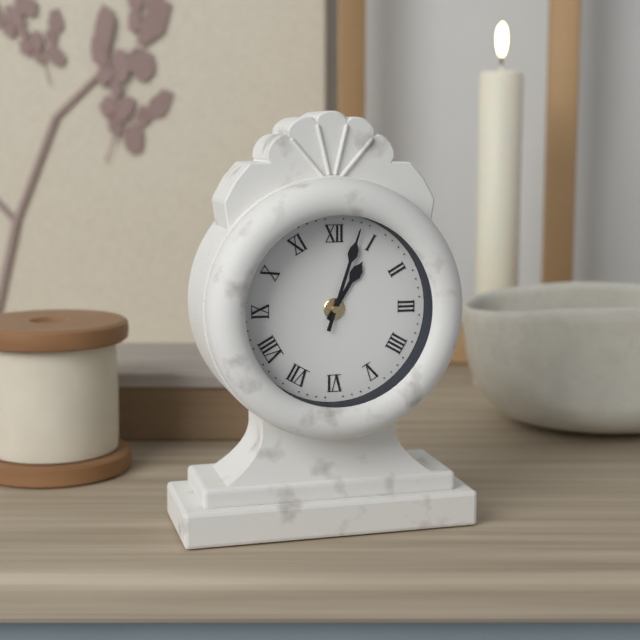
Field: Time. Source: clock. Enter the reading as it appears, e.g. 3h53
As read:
1h03
